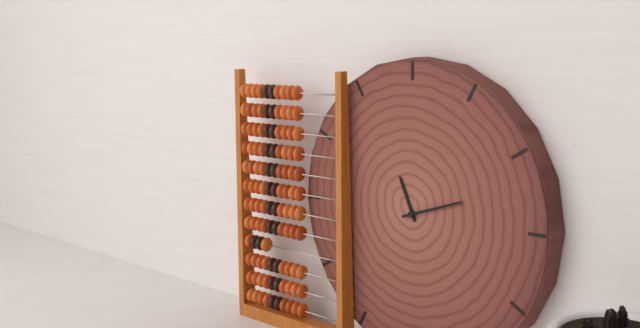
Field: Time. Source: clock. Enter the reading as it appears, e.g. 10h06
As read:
11h12
